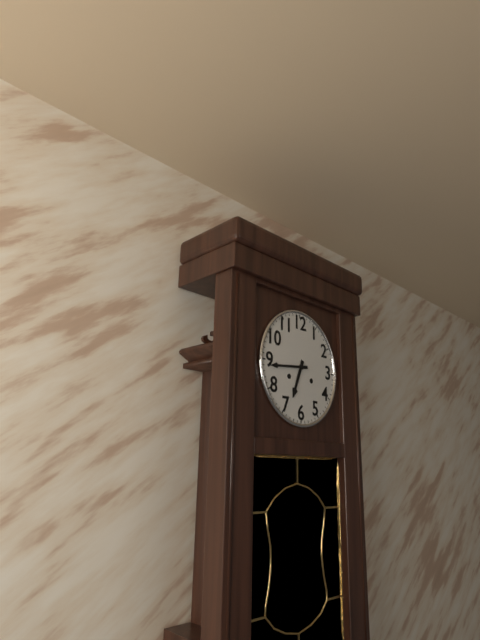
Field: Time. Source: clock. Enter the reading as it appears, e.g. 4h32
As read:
6h44
